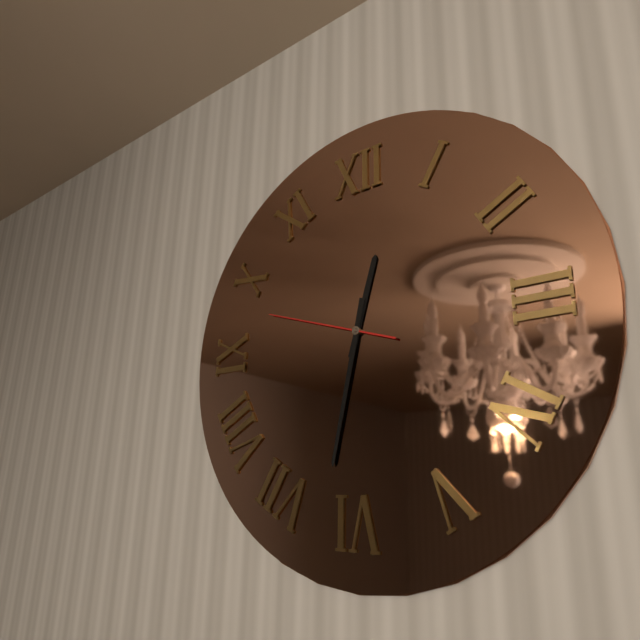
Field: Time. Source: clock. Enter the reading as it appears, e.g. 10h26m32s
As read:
12h32m48s
